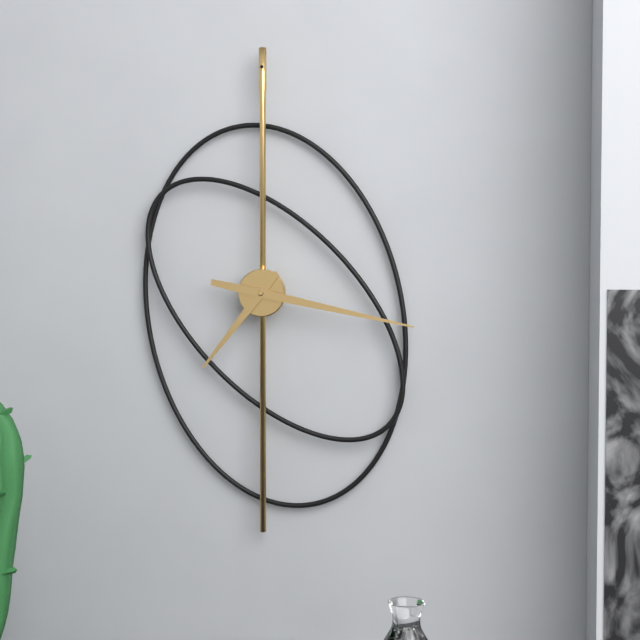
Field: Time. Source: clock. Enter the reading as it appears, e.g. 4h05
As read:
7h17
